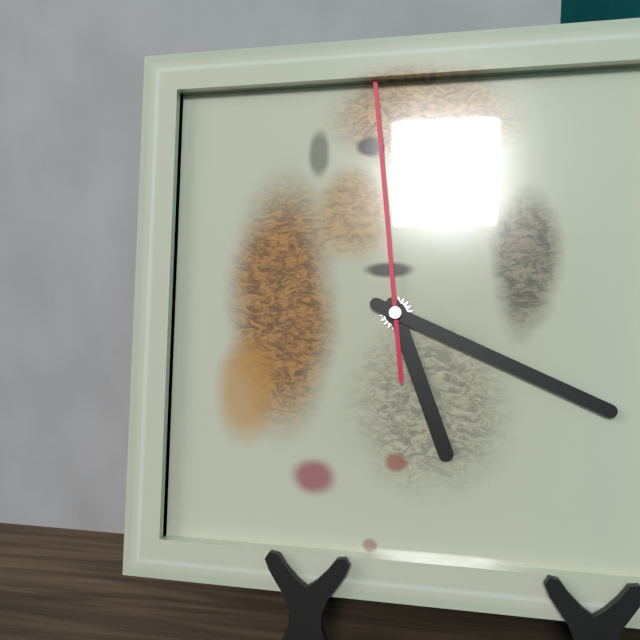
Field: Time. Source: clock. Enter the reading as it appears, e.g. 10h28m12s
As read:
5h19m59s
